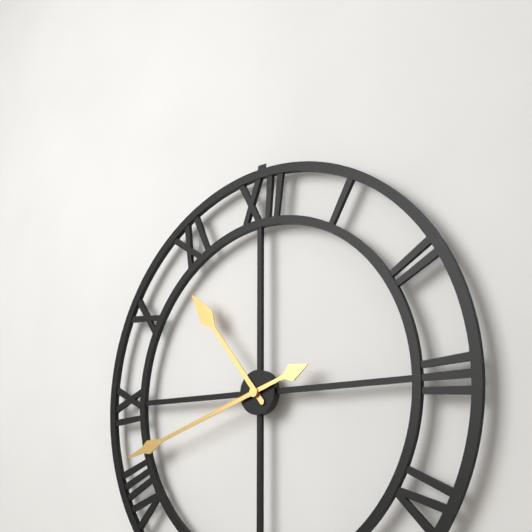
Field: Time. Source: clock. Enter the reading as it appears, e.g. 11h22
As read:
10h42
